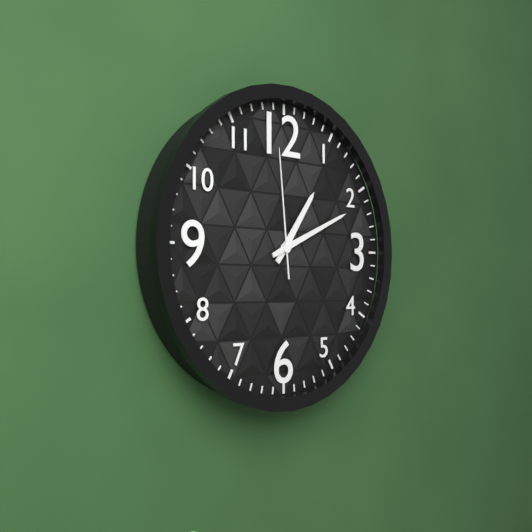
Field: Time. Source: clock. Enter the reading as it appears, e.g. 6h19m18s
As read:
1h11m59s
